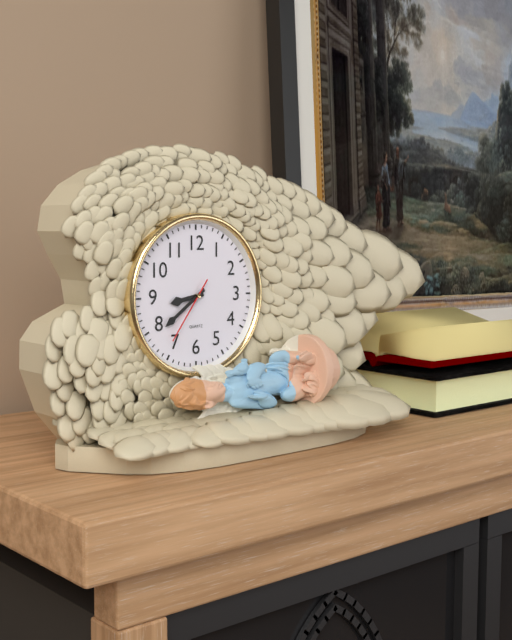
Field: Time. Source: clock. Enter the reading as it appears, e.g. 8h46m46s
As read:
8h39m36s
